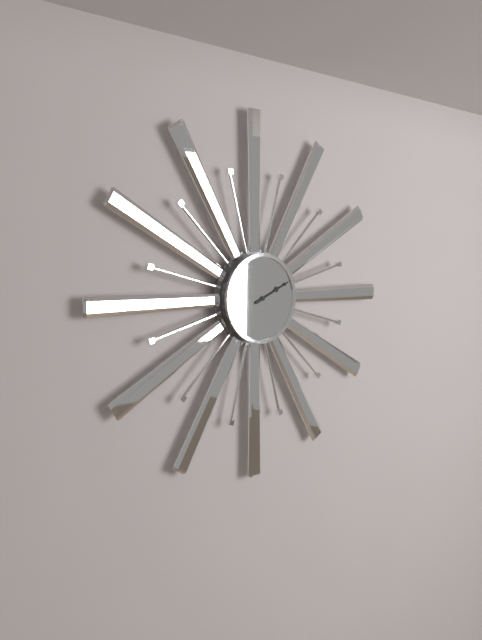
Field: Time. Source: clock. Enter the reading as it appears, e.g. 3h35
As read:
2h11
